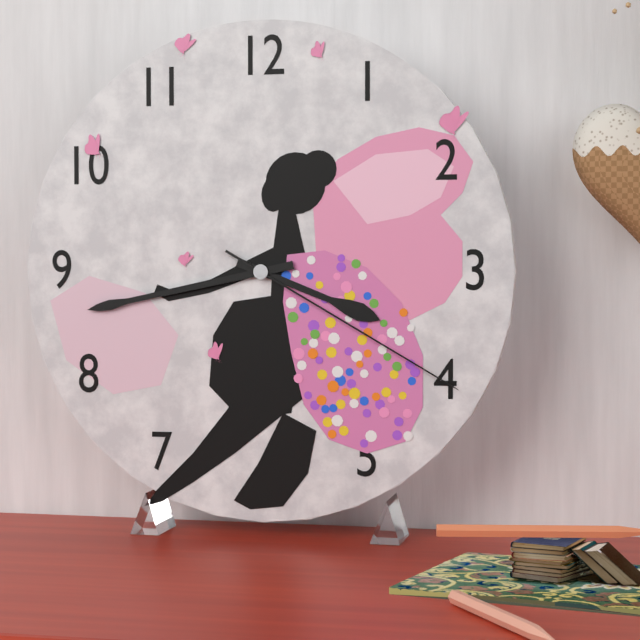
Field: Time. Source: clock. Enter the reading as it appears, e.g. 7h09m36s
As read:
3h43m20s
